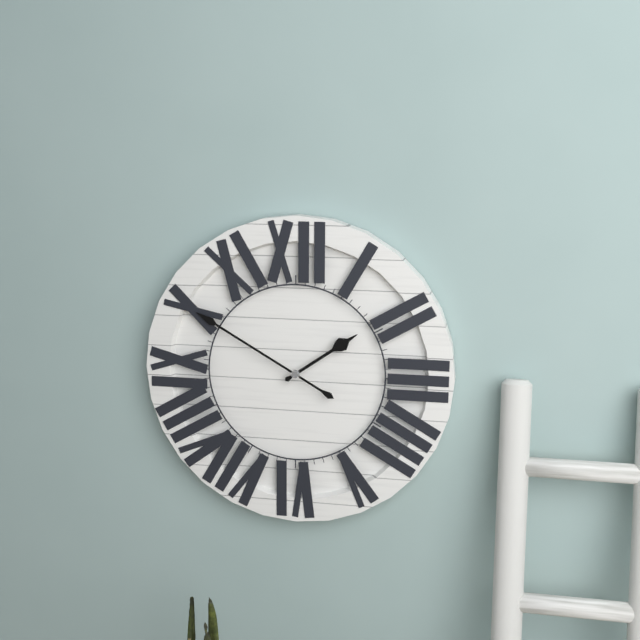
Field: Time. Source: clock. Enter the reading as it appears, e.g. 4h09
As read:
1h50
